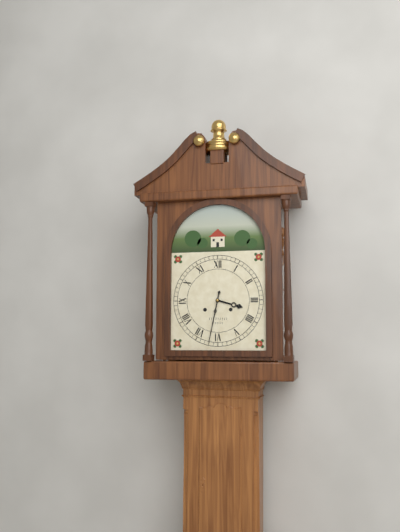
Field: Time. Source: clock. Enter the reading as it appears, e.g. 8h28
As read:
3h32
